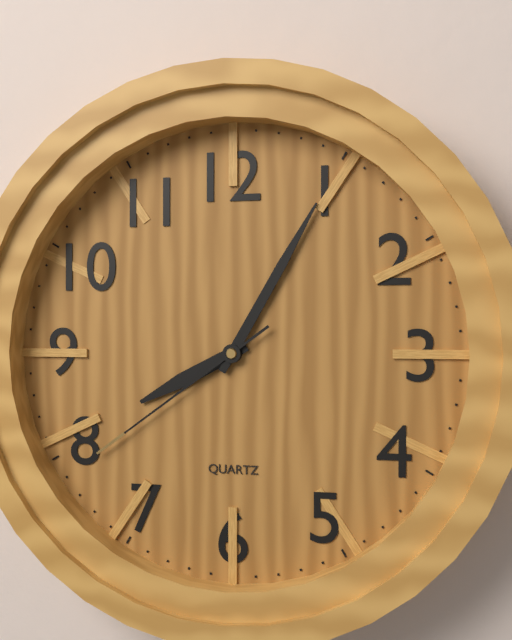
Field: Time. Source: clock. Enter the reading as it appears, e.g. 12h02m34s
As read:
8h05m39s
